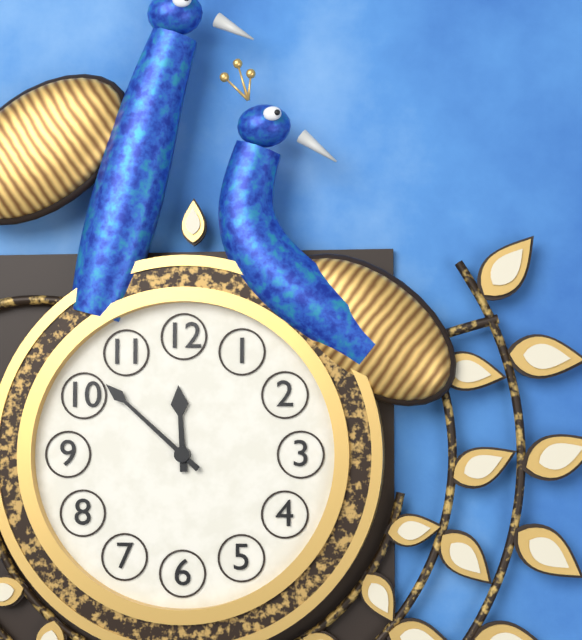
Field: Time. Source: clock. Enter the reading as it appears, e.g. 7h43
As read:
11h52
